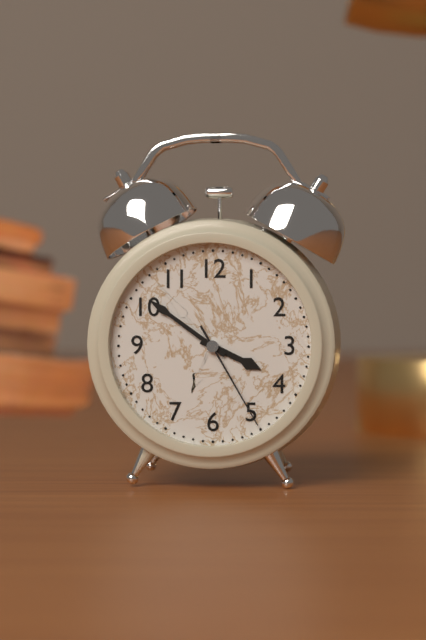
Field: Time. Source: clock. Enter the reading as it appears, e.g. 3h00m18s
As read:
3h51m25s
